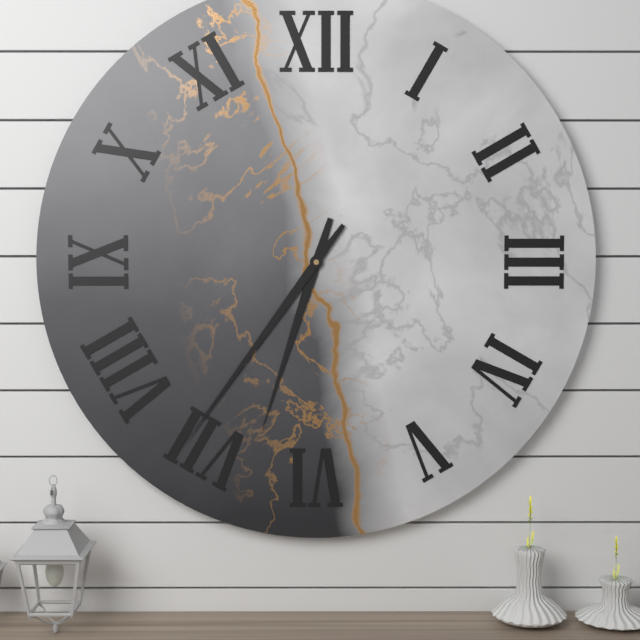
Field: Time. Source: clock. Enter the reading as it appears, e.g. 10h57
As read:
6h36
